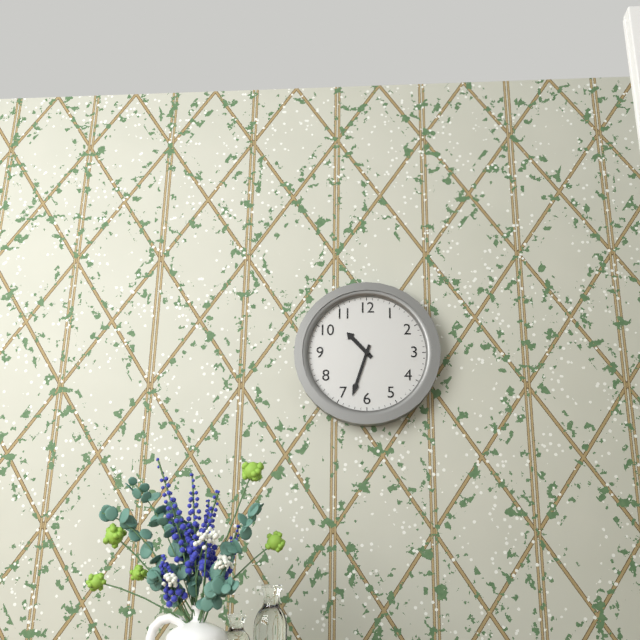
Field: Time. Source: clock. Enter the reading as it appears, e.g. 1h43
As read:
10h33
